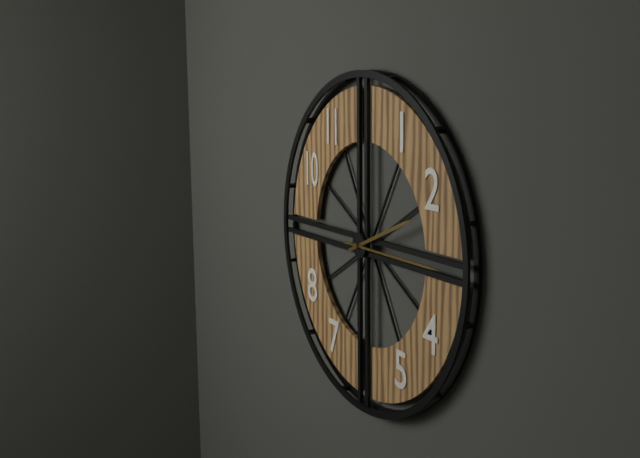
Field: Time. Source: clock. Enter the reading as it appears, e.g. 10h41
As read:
2h15
